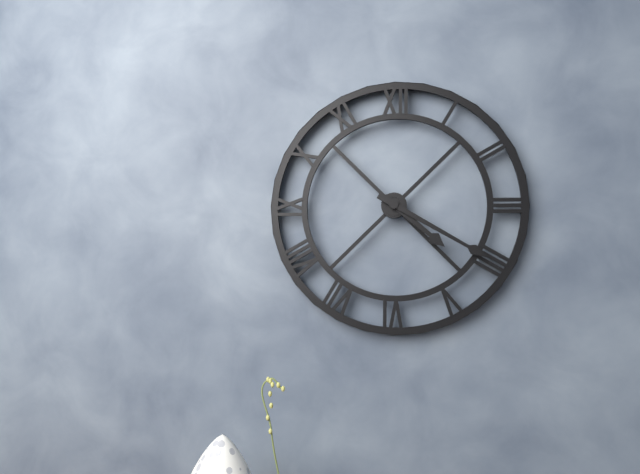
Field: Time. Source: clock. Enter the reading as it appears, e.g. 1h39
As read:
4h20
